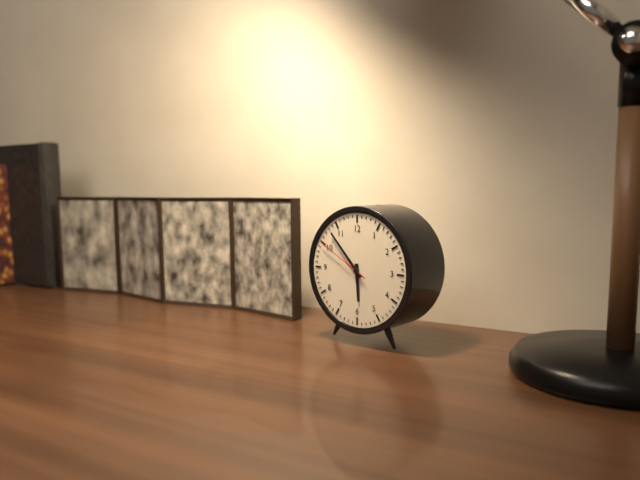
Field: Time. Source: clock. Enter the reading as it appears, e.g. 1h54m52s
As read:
5h53m50s
